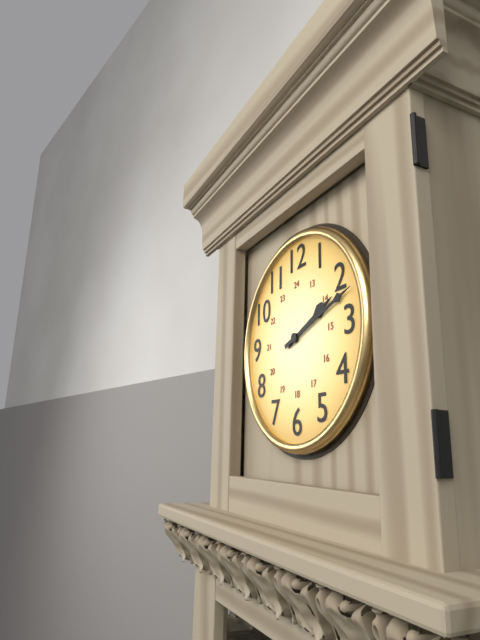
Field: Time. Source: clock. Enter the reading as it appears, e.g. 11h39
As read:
2h12
